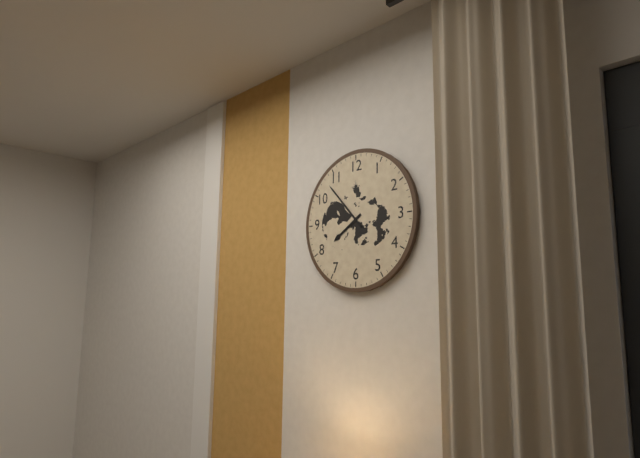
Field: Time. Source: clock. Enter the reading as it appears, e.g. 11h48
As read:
7h53
